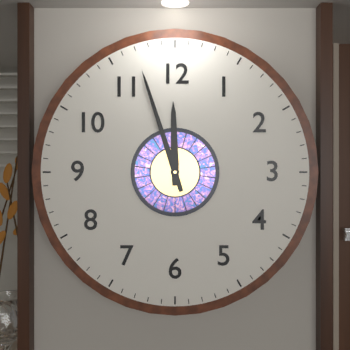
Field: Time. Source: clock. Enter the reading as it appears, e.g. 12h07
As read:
11h57
